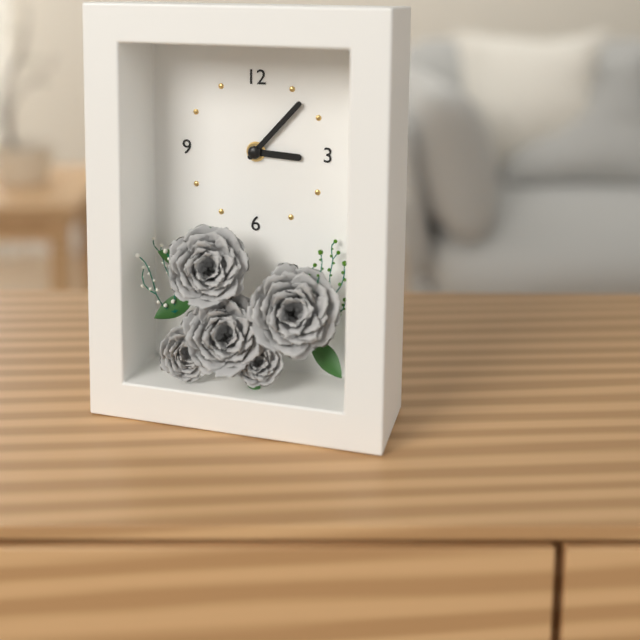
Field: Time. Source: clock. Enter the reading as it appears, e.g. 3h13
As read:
3h07
